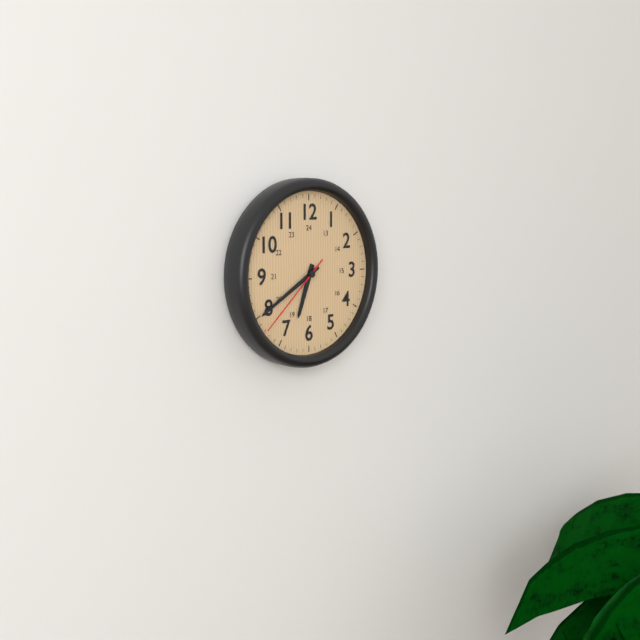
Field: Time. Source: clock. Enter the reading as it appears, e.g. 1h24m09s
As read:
6h40m38s
